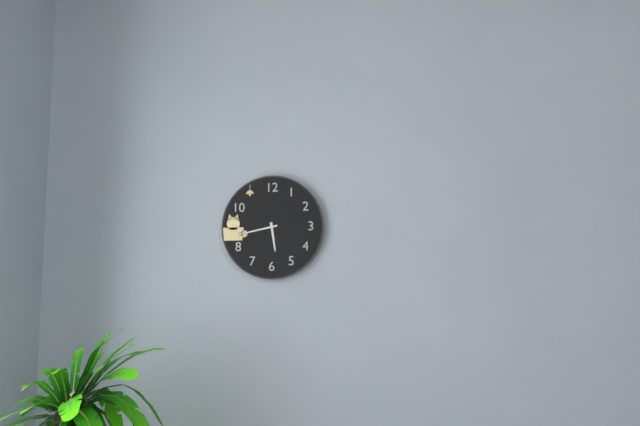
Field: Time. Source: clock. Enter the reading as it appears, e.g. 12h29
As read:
5h43
